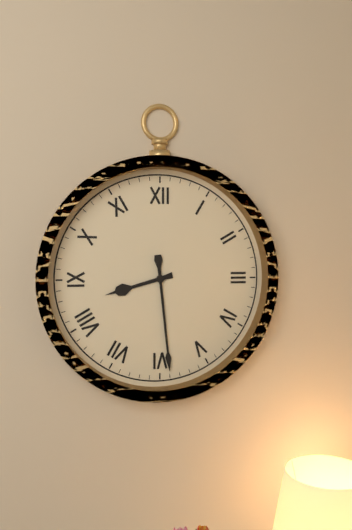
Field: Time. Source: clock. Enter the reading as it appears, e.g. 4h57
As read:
8h29
